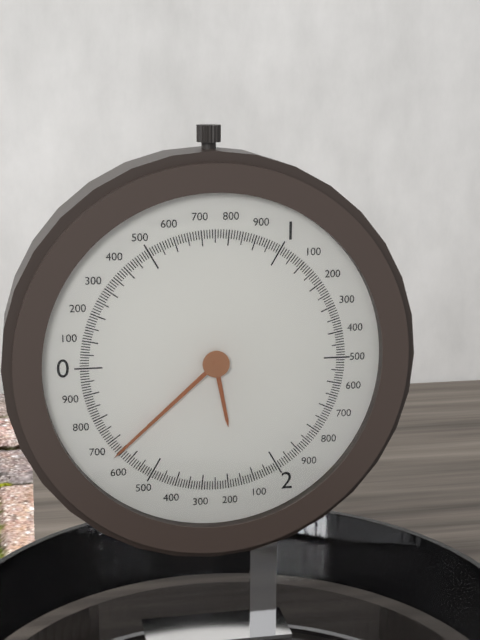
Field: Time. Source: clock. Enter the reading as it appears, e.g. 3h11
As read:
5h38
